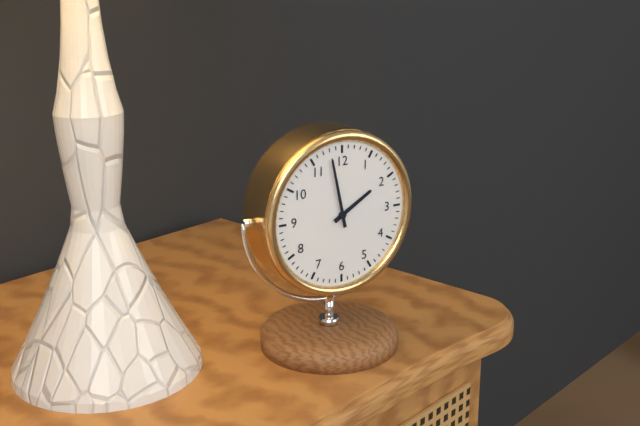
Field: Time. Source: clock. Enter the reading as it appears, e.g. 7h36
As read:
1h58
